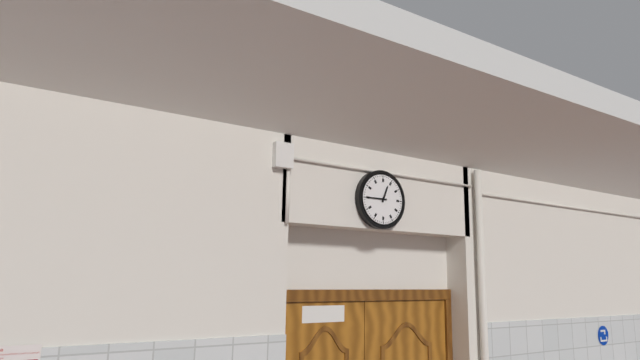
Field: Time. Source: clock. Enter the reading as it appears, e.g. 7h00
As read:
12h45
